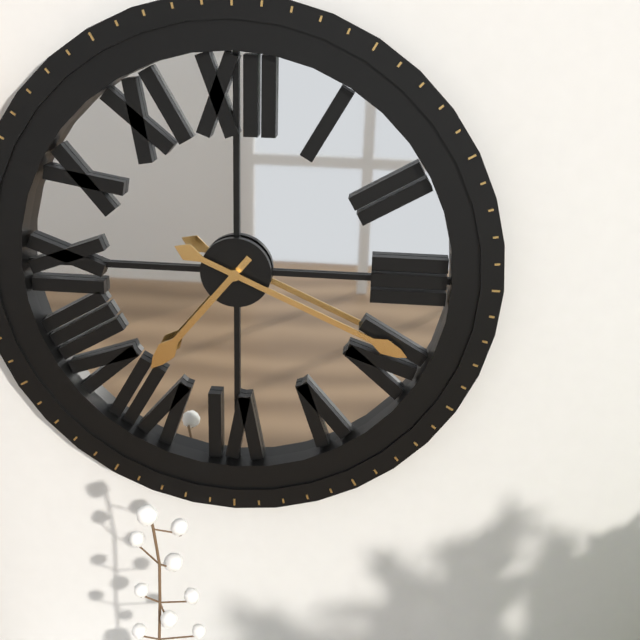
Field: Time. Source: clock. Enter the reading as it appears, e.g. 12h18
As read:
7h19
